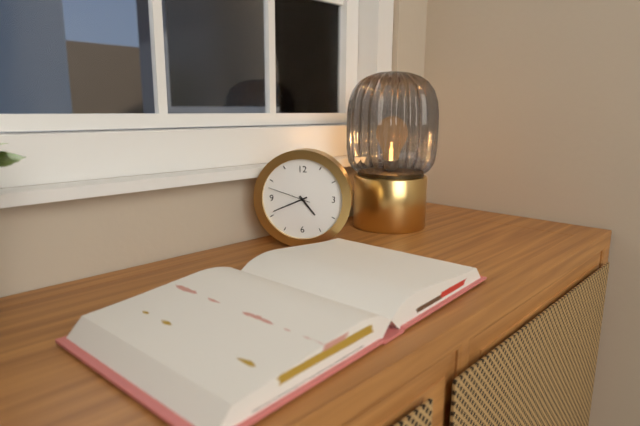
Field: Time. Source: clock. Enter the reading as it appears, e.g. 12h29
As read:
4h41
